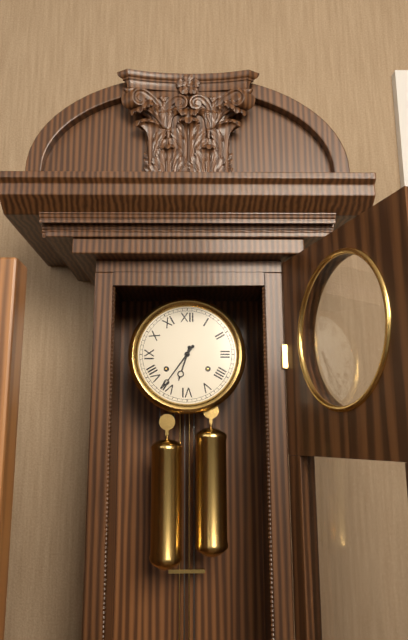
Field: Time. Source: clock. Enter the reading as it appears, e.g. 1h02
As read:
6h36
